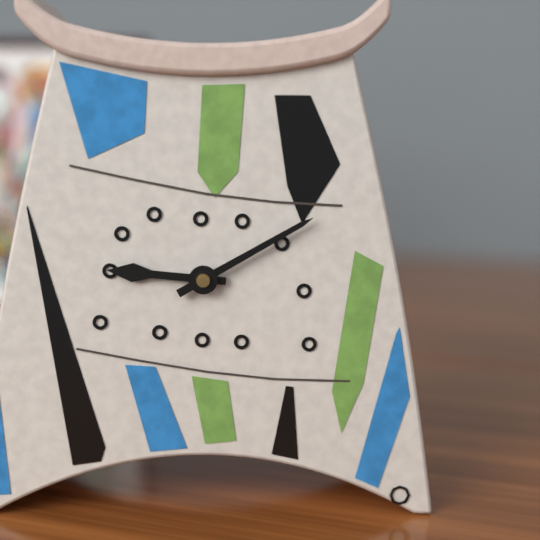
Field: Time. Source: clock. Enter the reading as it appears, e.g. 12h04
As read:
9h10
